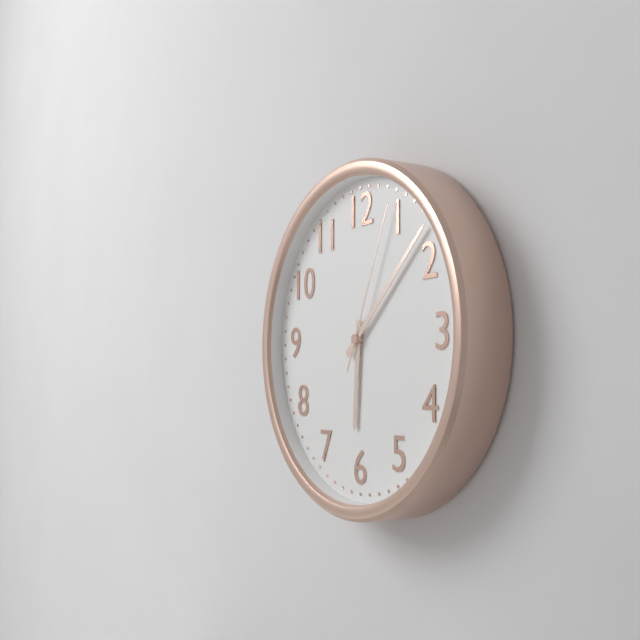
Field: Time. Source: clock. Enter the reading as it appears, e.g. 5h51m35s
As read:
6h08m04s
